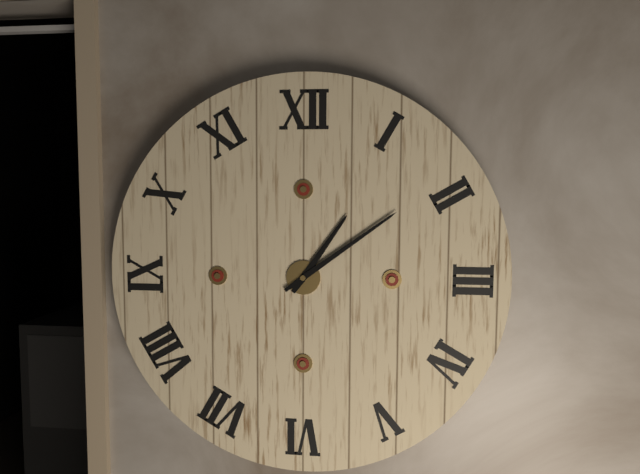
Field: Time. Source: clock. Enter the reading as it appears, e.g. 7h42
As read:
1h09
